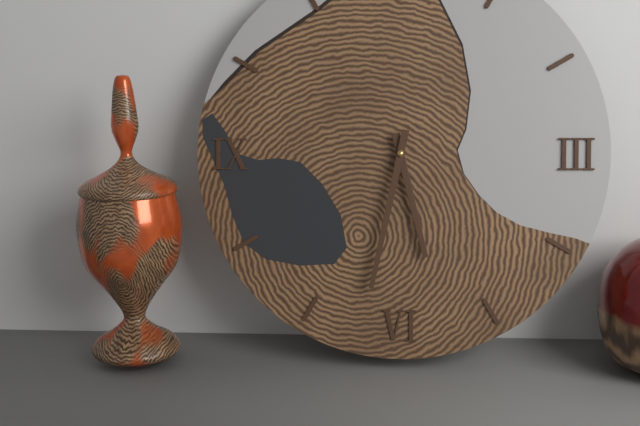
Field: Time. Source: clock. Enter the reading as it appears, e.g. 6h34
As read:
5h32
